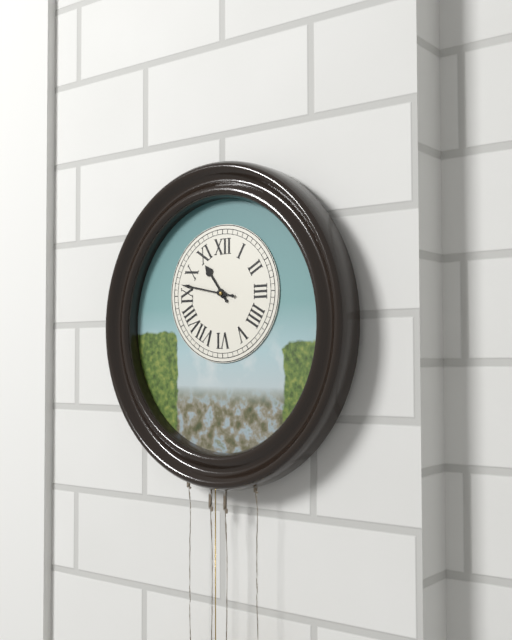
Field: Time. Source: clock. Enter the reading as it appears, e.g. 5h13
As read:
10h47
